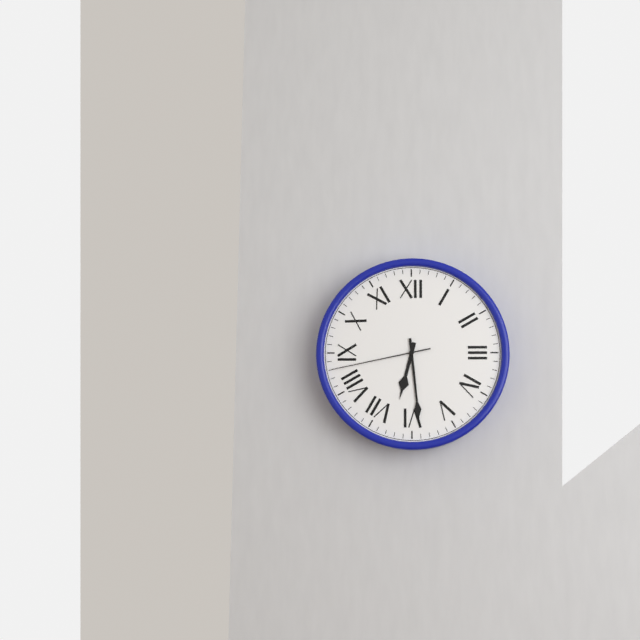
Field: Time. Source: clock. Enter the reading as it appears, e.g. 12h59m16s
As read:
6h29m43s
